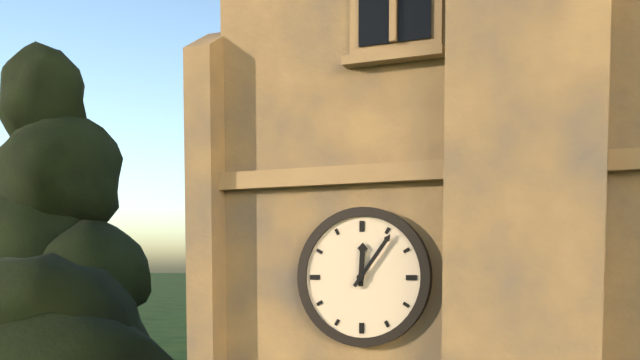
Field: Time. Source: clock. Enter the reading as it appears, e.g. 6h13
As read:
12h06
